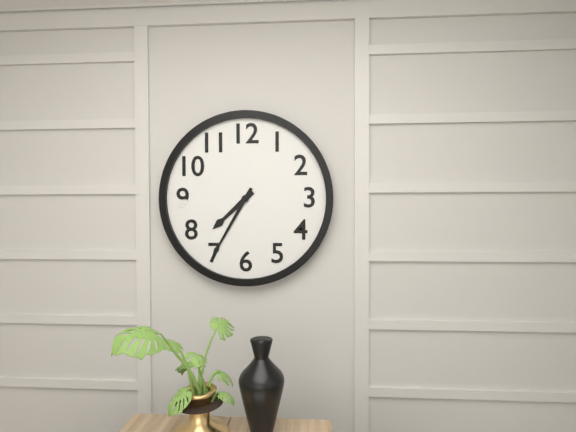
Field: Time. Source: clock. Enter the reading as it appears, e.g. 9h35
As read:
7h35
